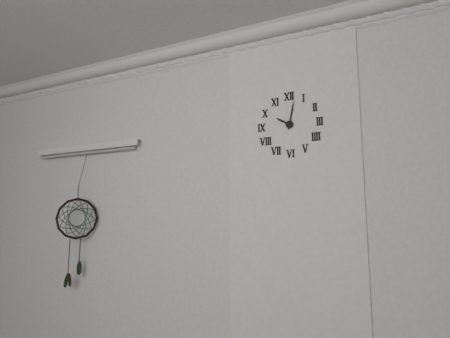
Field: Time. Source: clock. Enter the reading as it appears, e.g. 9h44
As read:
10h02
